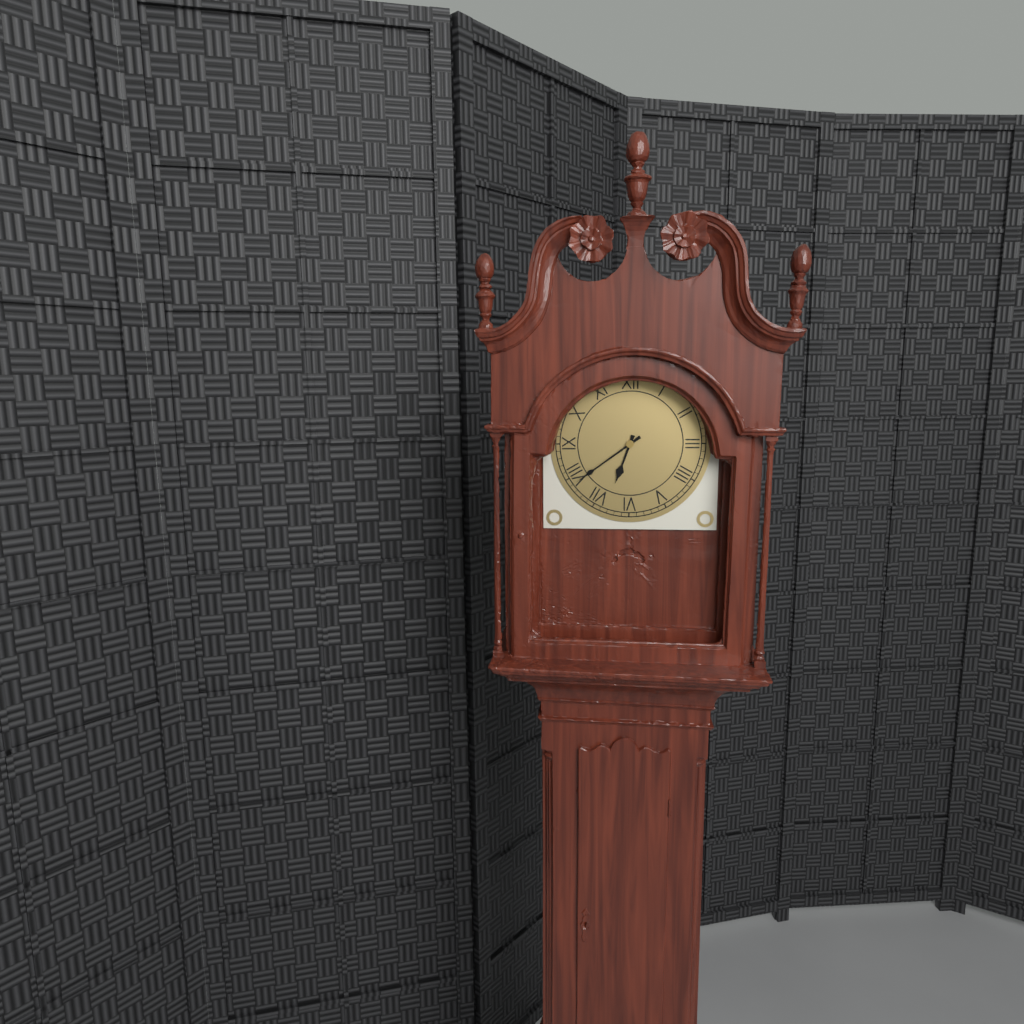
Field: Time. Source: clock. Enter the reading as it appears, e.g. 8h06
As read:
6h39
